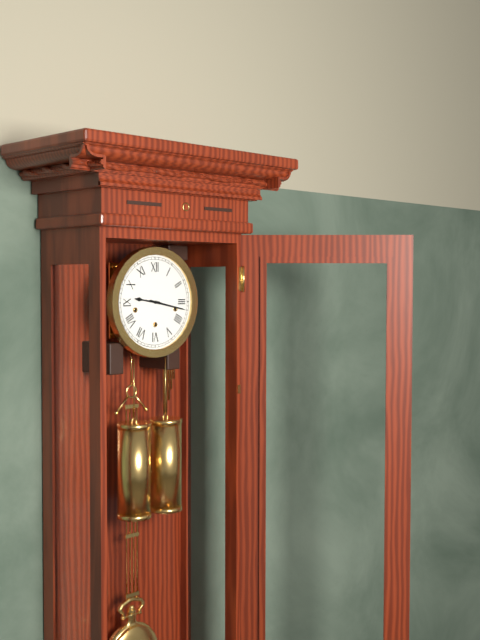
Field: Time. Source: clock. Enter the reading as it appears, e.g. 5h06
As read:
9h17
